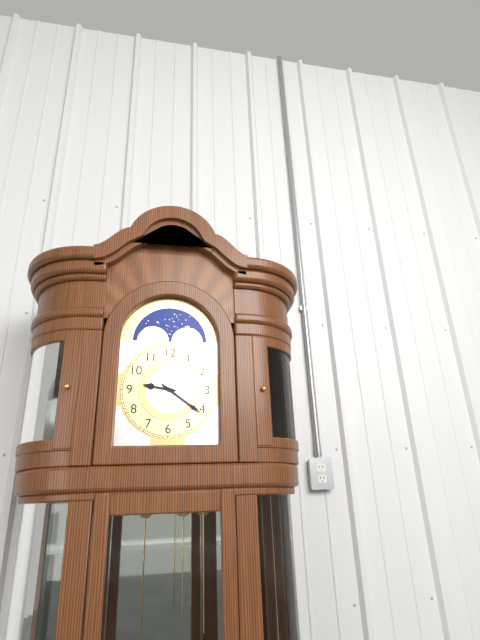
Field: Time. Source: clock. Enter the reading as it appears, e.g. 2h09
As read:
9h21
